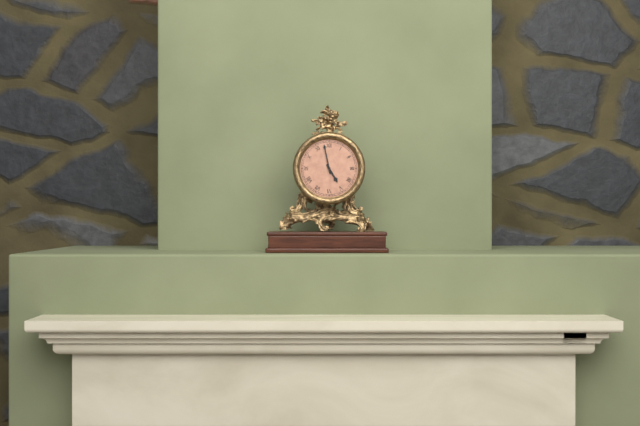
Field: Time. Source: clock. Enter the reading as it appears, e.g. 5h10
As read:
4h58
